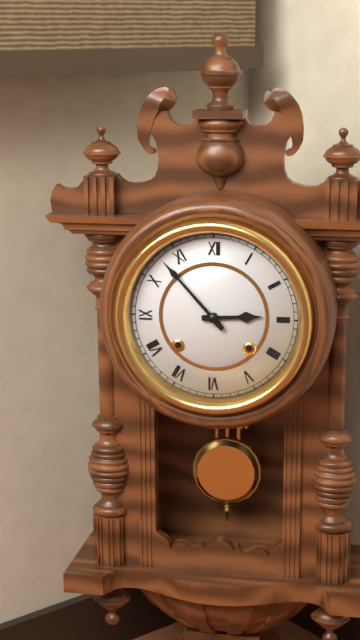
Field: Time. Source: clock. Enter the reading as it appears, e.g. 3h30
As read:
2h53
